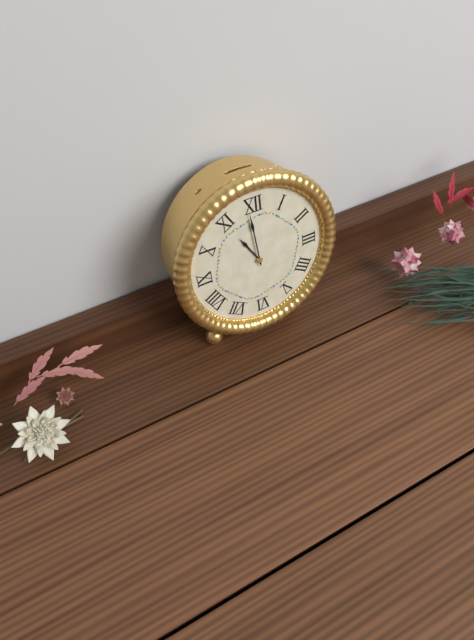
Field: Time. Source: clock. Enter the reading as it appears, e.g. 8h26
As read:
10h59
